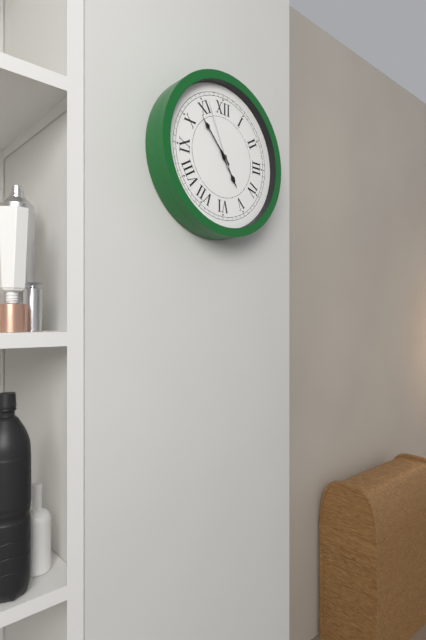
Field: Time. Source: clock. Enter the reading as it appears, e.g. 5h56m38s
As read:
4h53m56s
